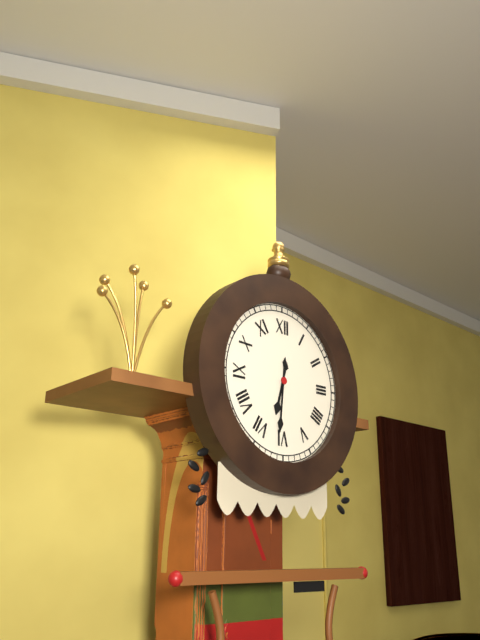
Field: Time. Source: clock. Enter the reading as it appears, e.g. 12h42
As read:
6h31
